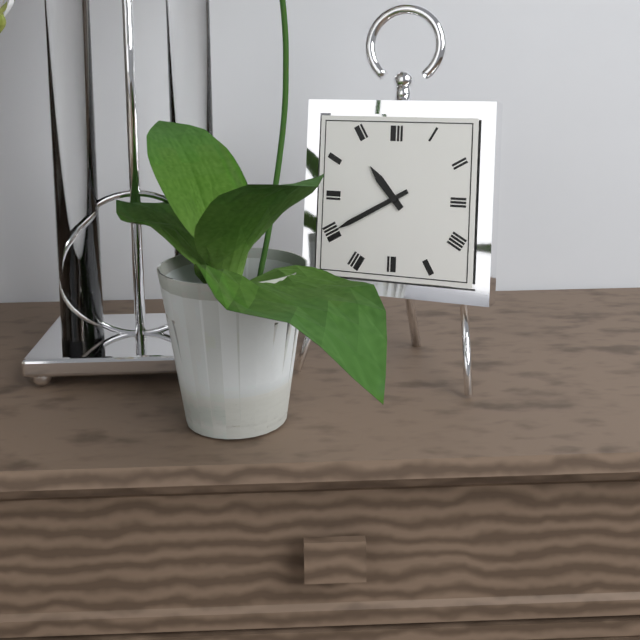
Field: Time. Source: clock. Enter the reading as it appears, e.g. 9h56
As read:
10h40
